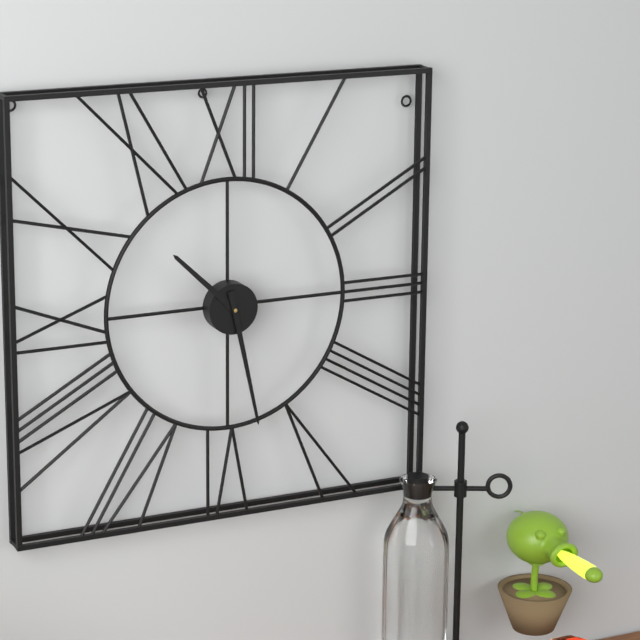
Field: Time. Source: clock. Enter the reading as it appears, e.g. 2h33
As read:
10h28
